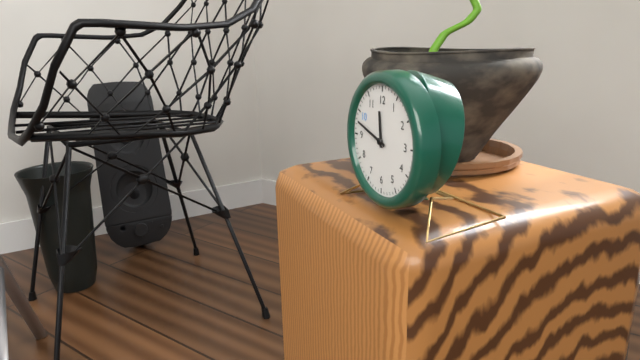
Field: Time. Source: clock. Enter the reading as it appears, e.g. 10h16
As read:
11h48
